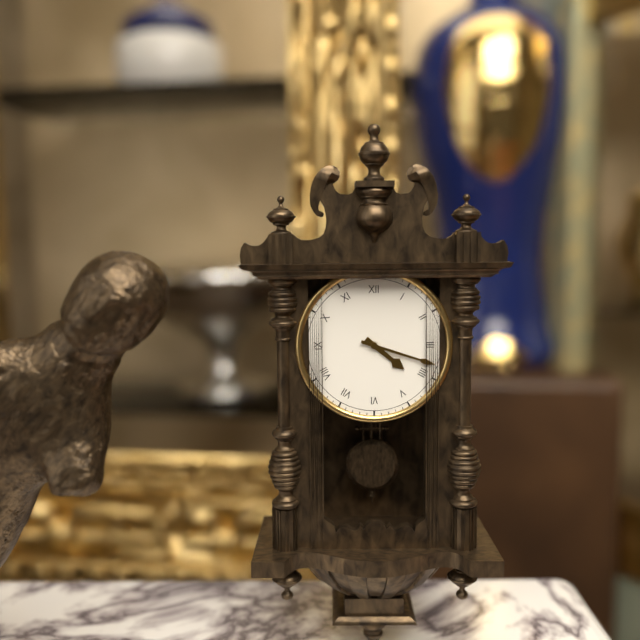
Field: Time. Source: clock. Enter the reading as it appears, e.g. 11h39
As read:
4h18
